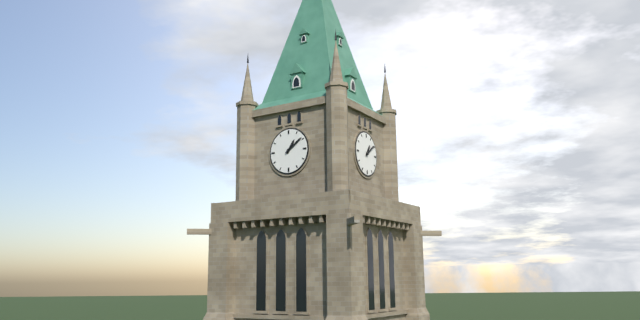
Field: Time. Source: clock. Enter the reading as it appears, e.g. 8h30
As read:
1h09
